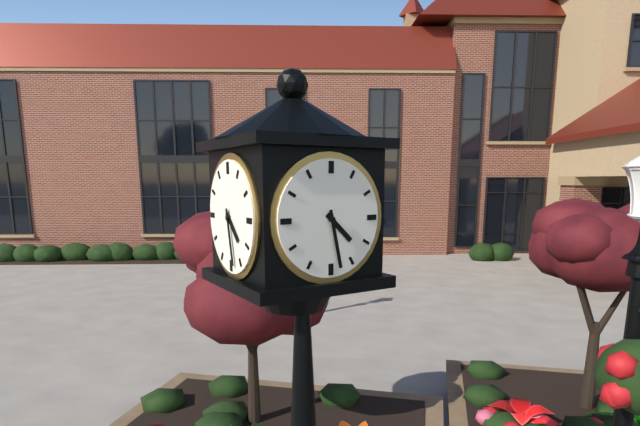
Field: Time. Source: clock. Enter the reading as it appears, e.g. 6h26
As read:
4h28
